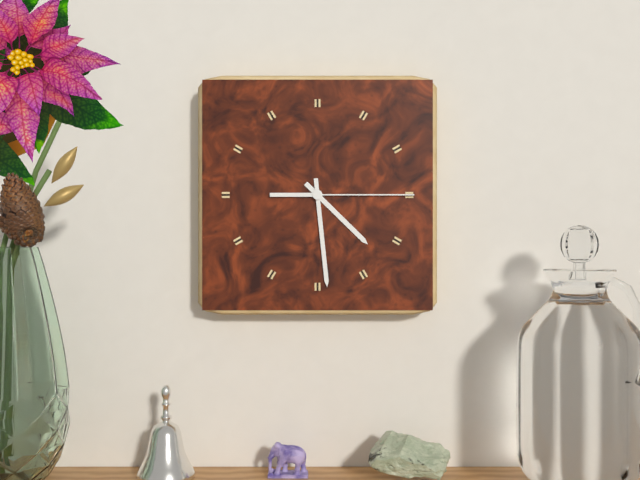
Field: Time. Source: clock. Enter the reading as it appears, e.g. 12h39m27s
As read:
4h29m15s
